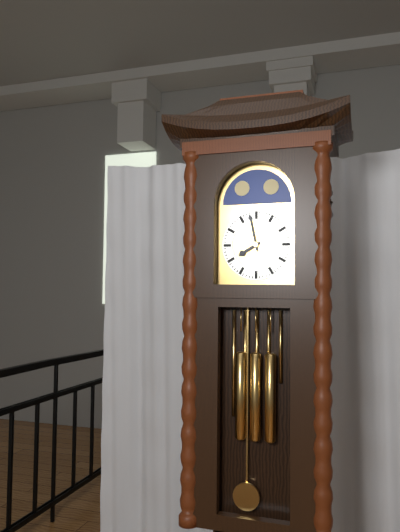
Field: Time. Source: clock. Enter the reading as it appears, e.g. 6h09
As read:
7h58
